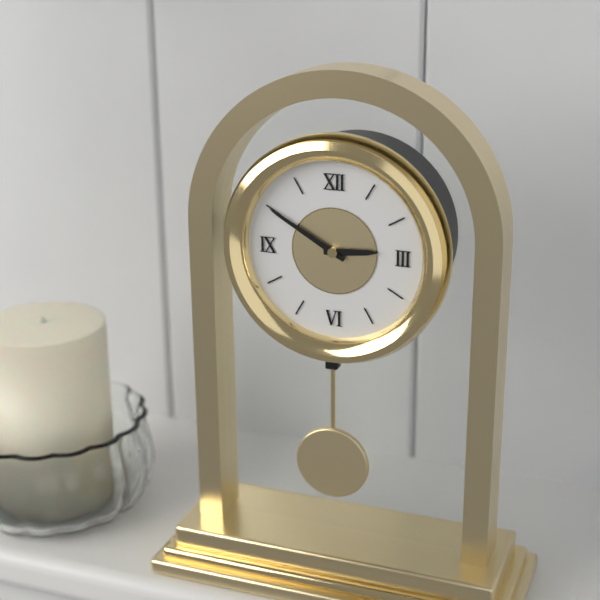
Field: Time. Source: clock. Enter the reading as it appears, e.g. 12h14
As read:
2h50
